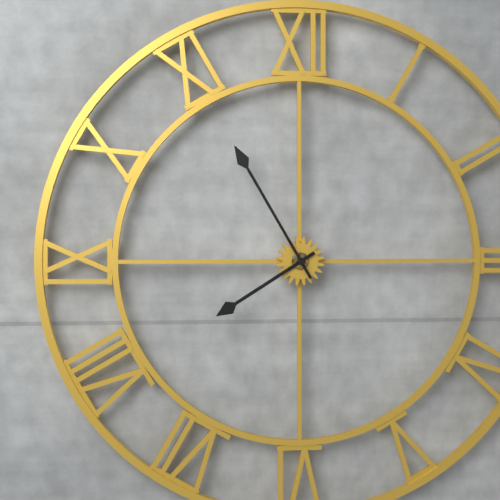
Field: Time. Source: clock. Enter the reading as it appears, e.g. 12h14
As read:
7h55
